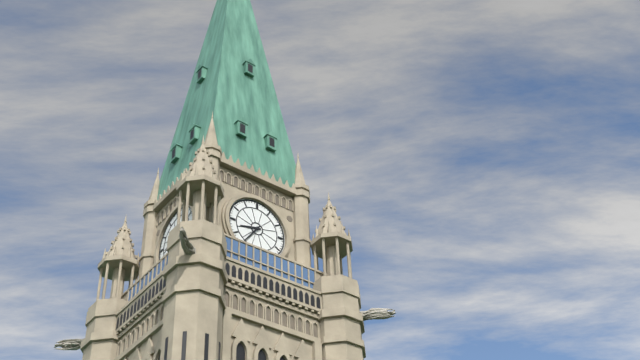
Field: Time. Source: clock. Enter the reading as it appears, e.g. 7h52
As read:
8h36
